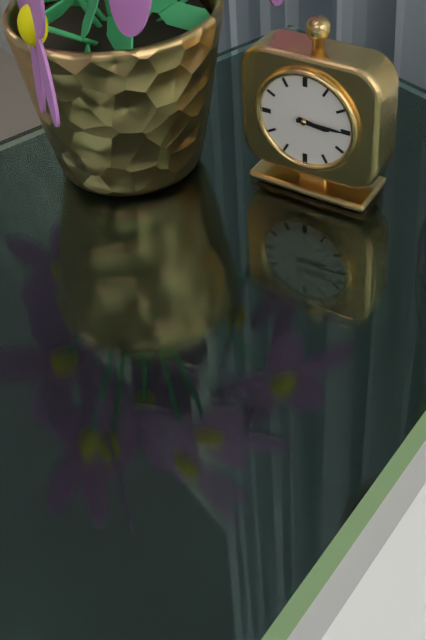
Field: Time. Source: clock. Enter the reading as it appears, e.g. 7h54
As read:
3h15
